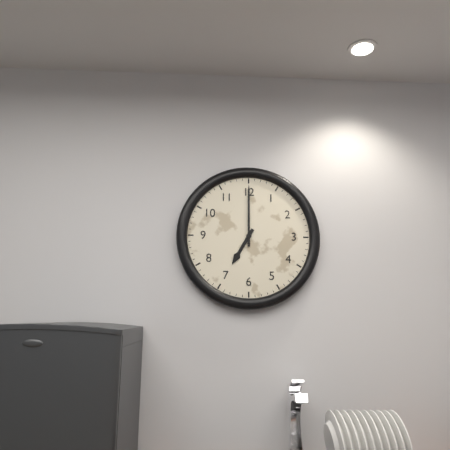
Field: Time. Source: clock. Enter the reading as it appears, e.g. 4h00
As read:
7h00
